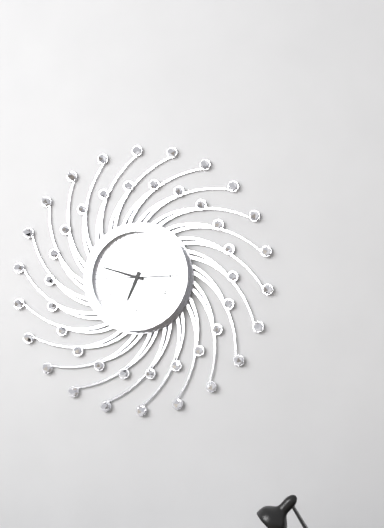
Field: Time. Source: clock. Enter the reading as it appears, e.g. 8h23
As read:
6h48
